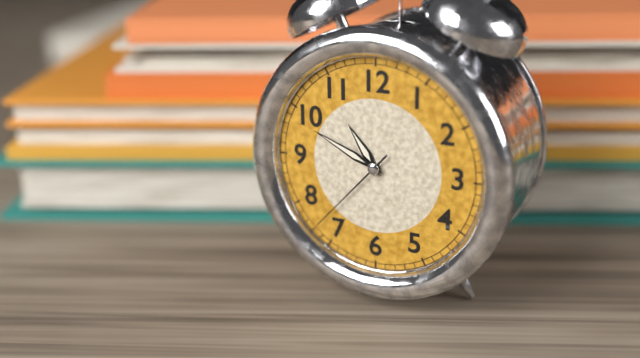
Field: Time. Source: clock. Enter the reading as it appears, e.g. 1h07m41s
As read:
10h49m37s
